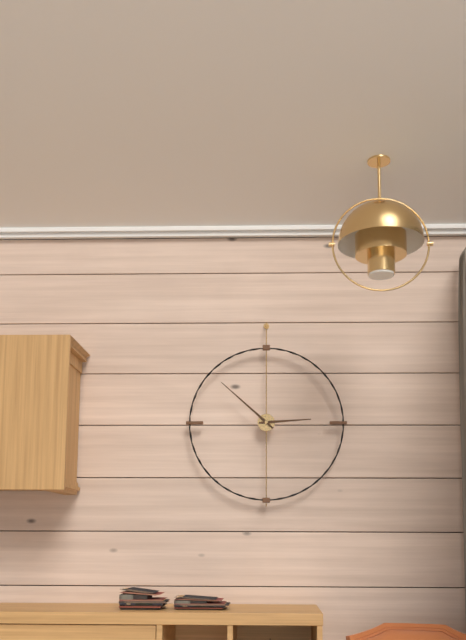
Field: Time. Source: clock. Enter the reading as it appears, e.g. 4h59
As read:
2h52
